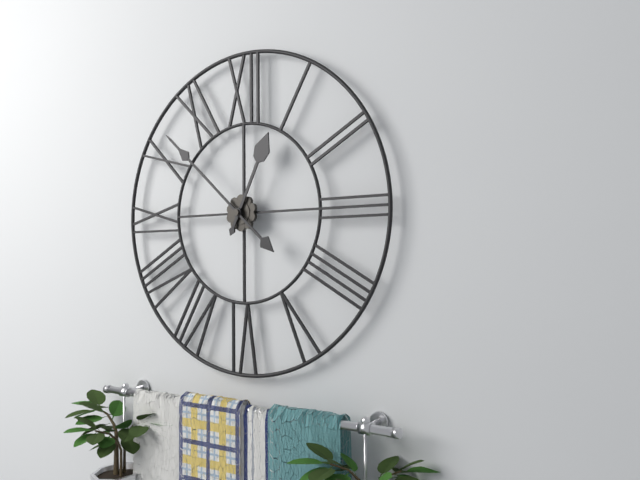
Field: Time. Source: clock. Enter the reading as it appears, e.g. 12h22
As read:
12h52
